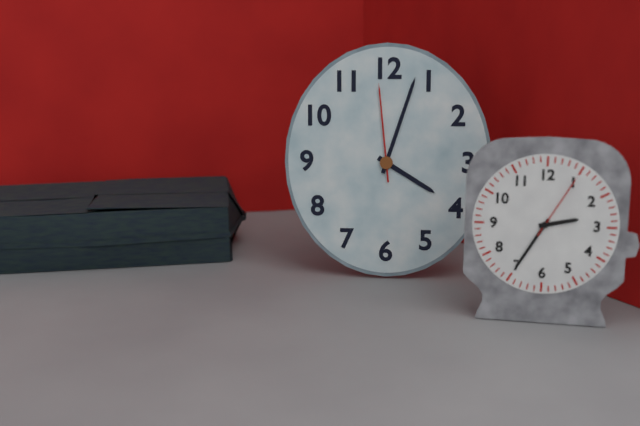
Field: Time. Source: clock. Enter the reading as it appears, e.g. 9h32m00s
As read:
4h03m59s
